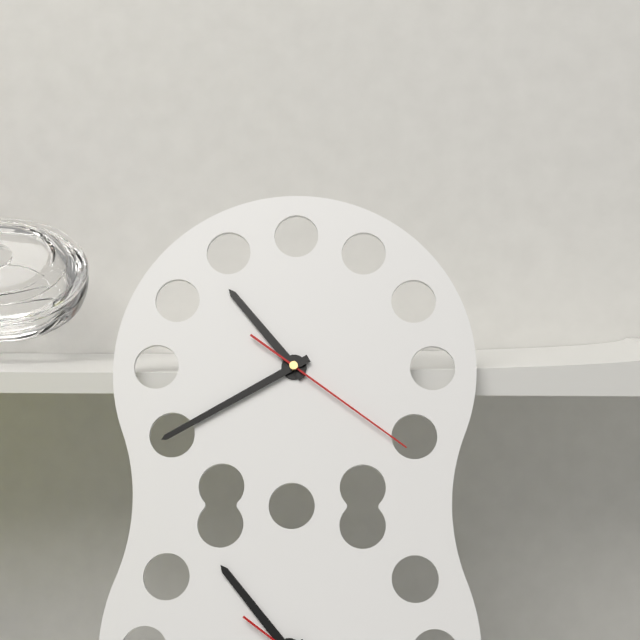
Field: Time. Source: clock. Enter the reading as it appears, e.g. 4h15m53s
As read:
10h40m21s
